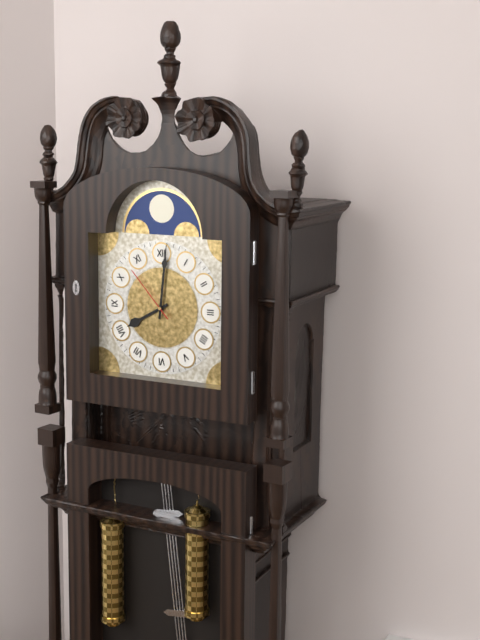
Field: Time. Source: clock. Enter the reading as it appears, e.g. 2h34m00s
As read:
8h01m53s
